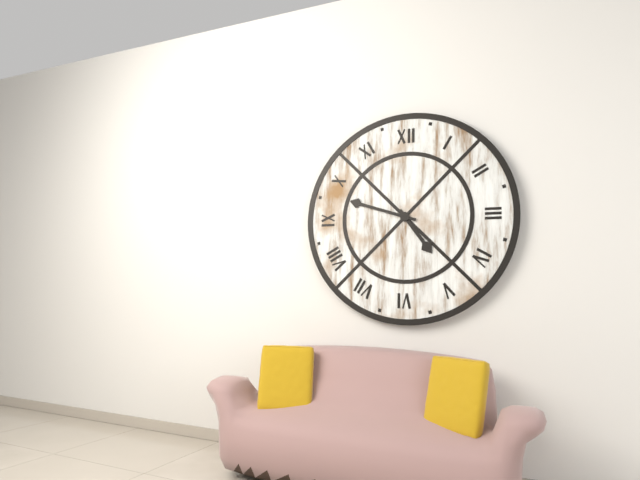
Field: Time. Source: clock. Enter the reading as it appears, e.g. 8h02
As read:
4h48
